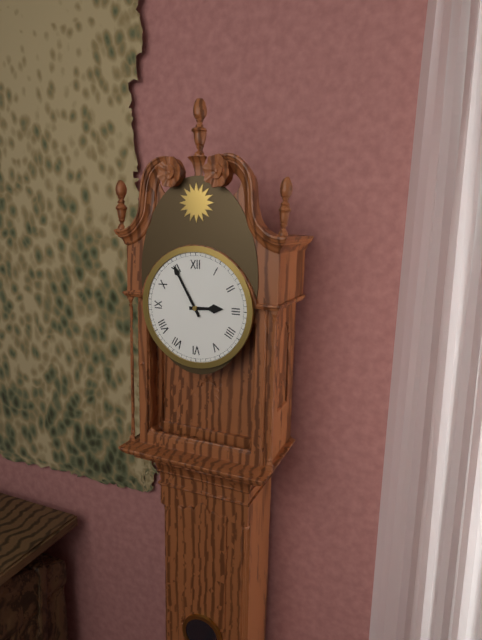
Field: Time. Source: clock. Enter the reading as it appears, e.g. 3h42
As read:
2h55
